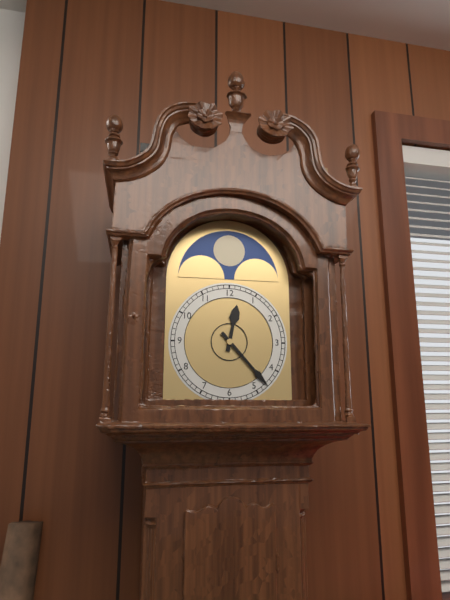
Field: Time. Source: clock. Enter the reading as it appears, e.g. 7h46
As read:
12h23
